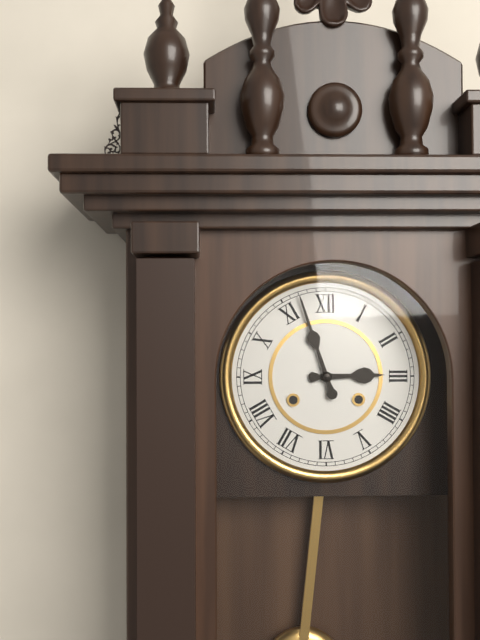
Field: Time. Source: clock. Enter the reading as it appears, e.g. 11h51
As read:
2h57
